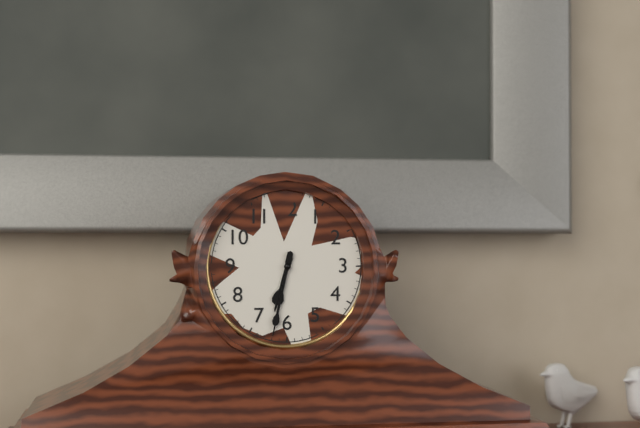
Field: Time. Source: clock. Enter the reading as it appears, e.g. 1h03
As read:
6h32
